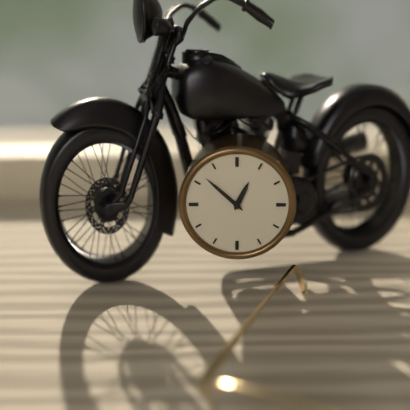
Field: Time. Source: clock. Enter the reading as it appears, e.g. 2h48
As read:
12h52
